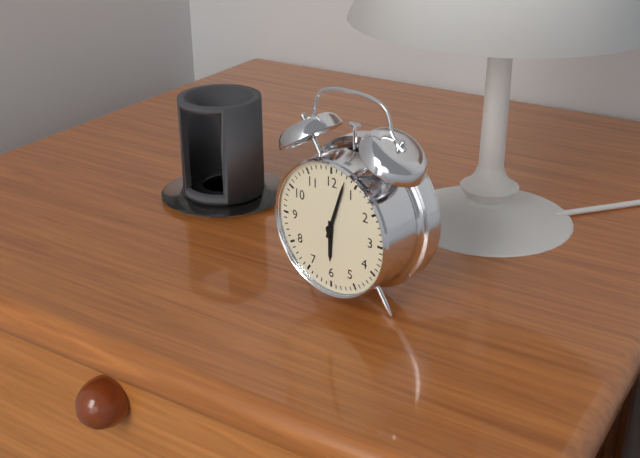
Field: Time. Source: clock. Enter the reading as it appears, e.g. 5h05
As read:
6h03
